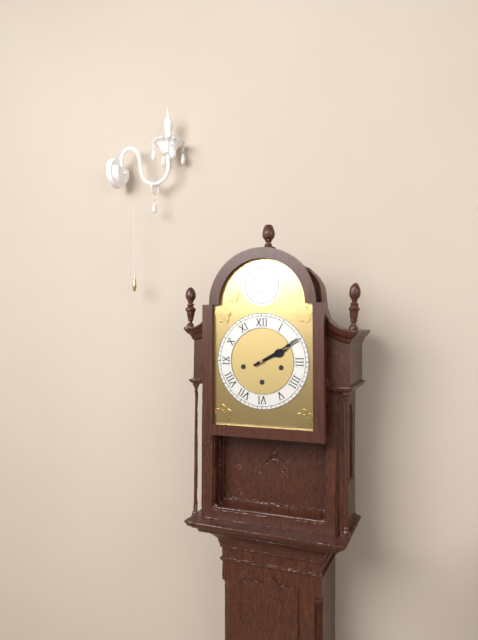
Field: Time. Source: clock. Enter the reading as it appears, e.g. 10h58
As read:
2h10
